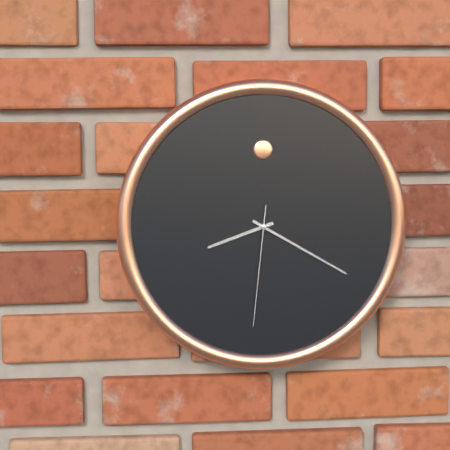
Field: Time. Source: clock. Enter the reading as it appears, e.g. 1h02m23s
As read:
8h20m31s
